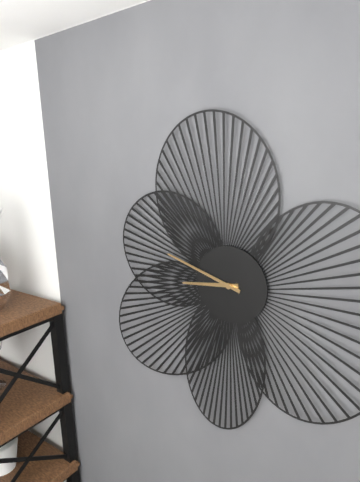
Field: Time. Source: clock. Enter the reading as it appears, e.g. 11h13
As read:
8h48
